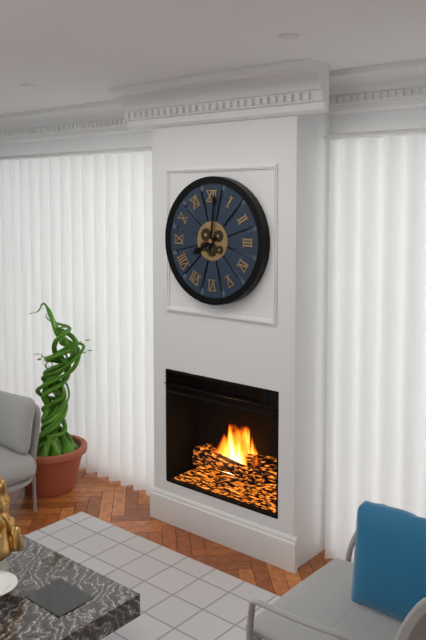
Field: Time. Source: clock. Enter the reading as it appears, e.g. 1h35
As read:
8h01
